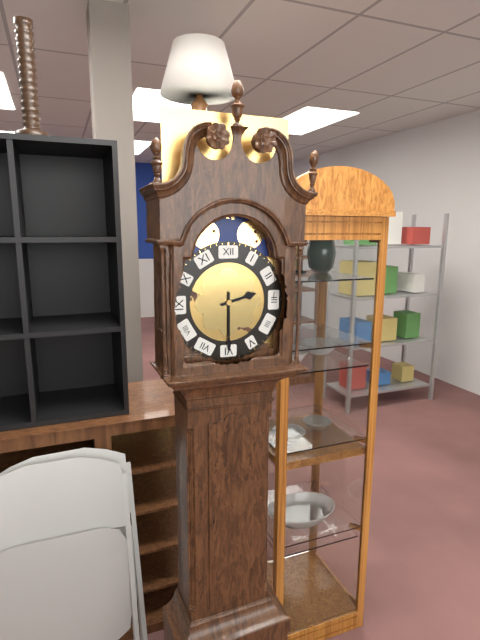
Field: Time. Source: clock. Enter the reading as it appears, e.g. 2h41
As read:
2h30
